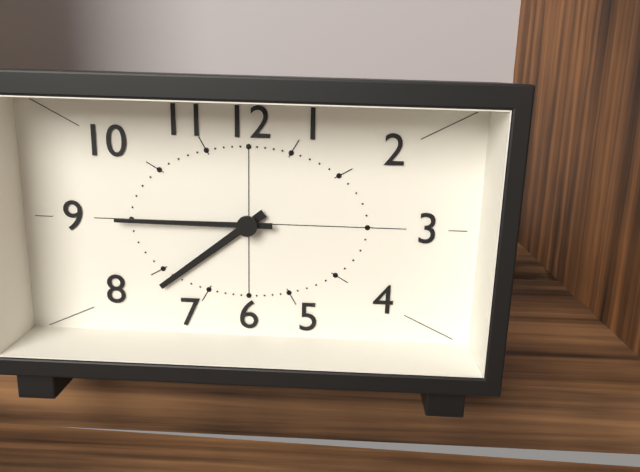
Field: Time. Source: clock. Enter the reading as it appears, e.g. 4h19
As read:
7h45
